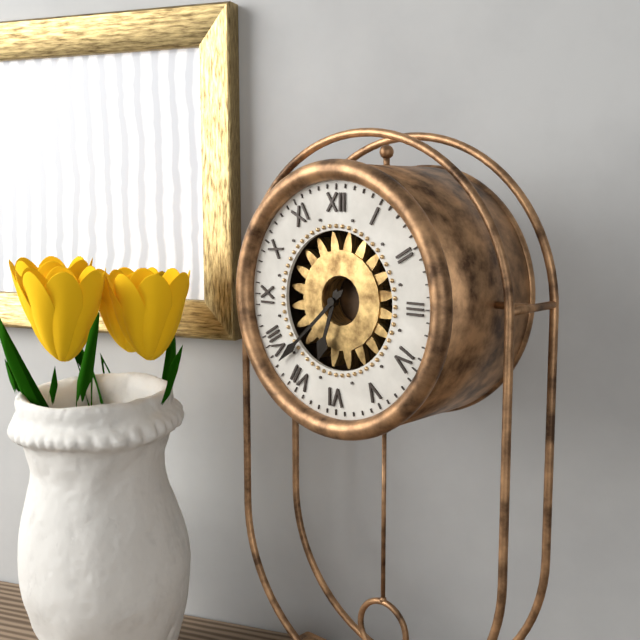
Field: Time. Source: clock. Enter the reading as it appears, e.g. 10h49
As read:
6h38
